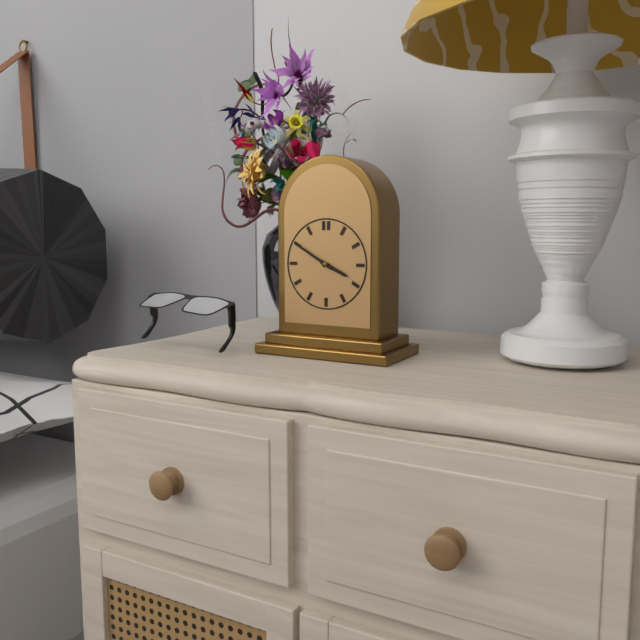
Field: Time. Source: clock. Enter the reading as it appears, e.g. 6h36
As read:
3h50
